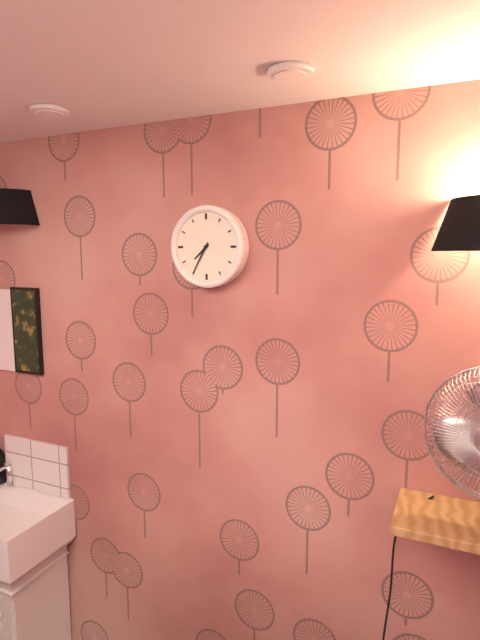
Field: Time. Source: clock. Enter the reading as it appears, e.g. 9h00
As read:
7h35
